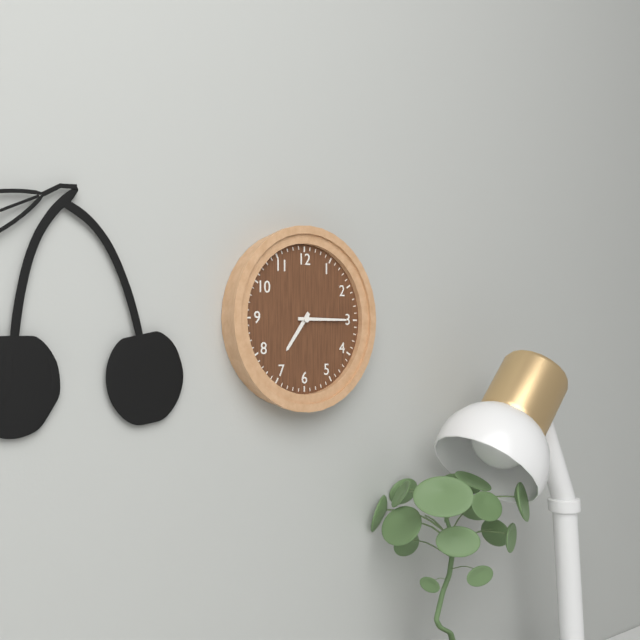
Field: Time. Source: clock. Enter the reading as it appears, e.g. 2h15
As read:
7h15
